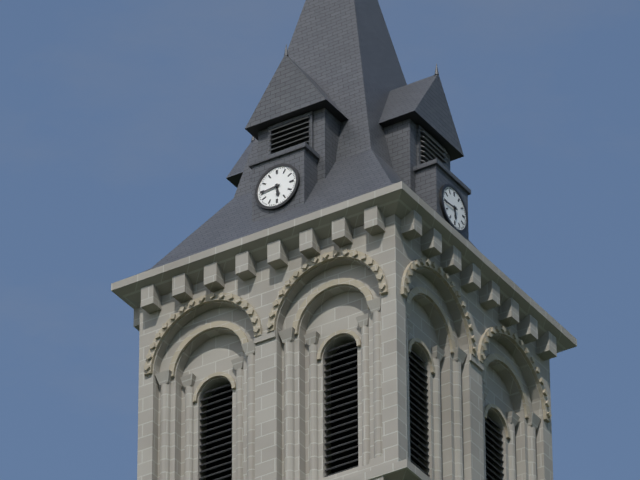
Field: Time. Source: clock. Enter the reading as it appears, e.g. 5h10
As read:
5h44
